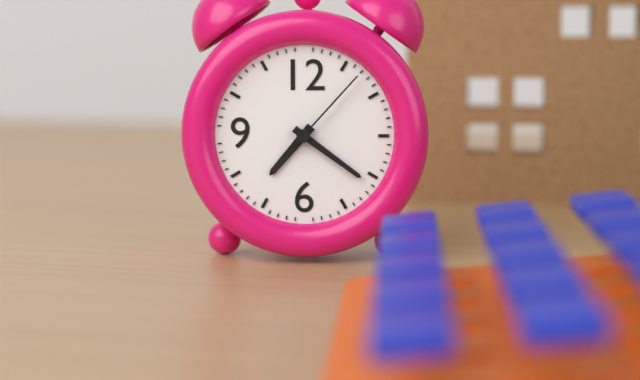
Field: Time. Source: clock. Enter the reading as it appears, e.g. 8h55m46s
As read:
7h21m07s
